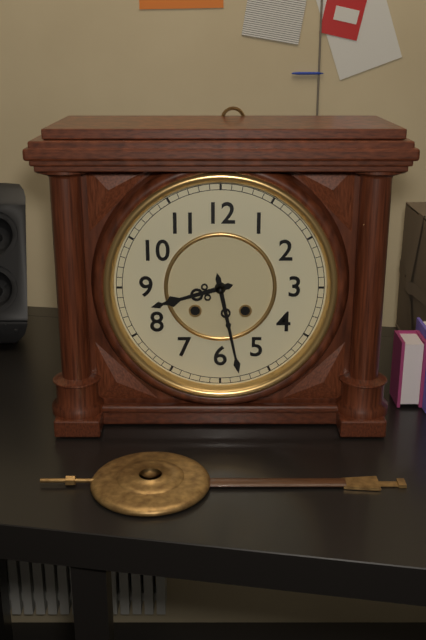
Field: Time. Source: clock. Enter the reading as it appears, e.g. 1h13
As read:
8h28
